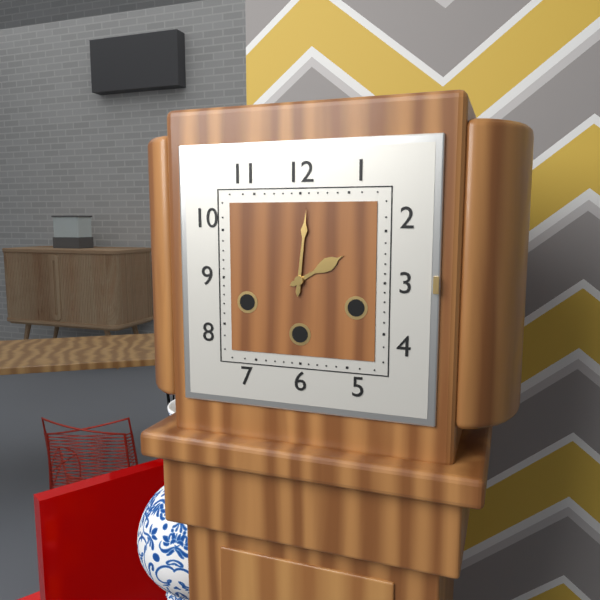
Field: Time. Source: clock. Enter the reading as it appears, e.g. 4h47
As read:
2h01
